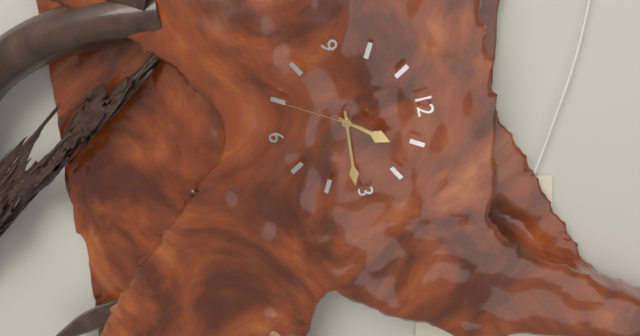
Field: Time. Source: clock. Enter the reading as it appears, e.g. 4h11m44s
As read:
1h16m35s
